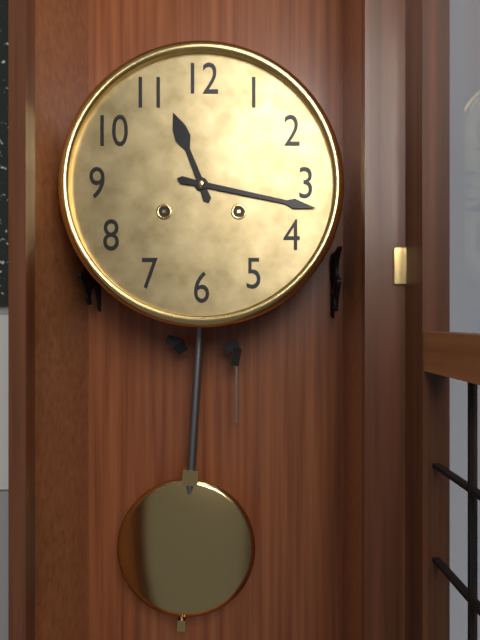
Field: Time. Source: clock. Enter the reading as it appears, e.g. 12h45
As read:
11h17
